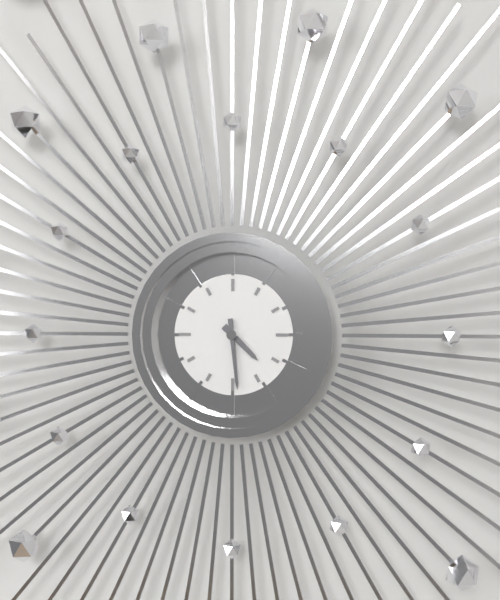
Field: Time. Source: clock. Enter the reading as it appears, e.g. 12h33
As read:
4h29
